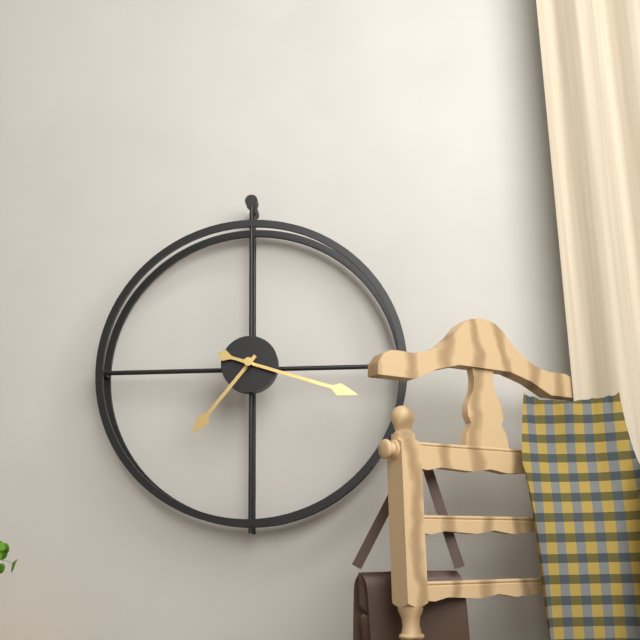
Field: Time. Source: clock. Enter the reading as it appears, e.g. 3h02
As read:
7h18
